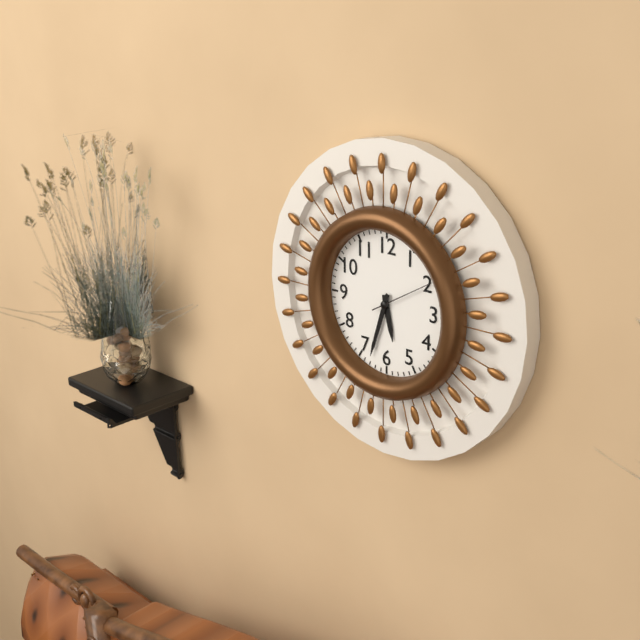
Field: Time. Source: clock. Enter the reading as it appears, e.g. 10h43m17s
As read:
5h33m10s
